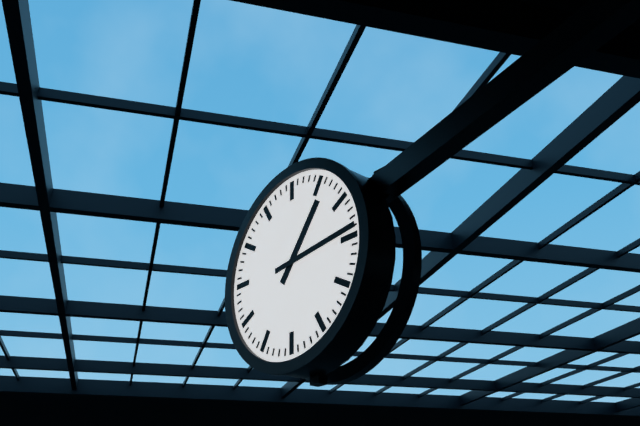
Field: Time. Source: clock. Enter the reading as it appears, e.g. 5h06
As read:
1h14
